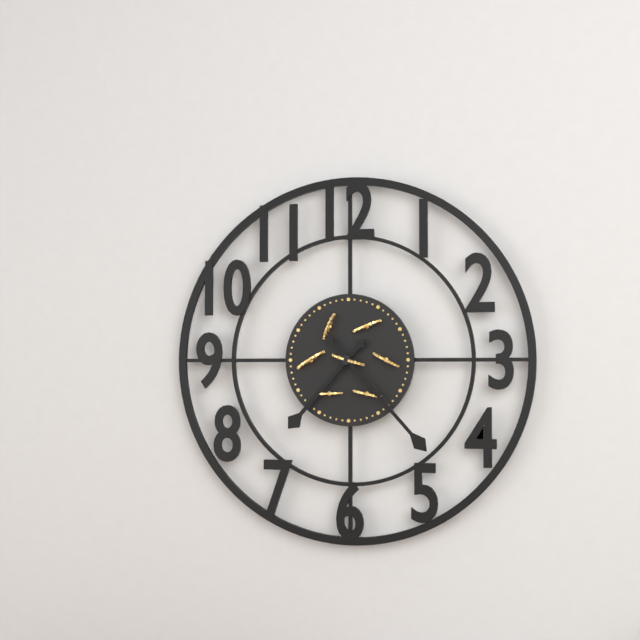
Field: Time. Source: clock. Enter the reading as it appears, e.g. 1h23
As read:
7h23
